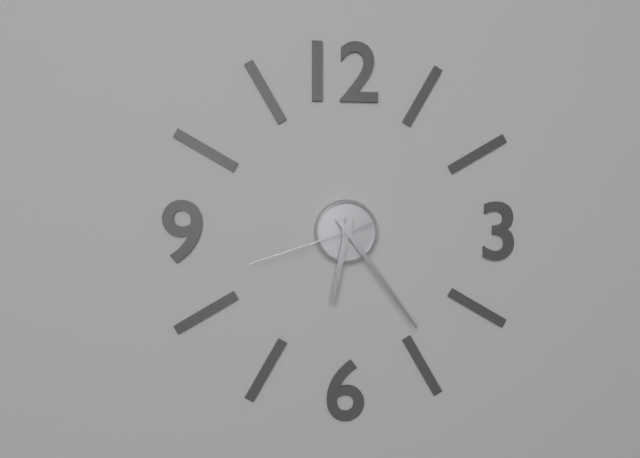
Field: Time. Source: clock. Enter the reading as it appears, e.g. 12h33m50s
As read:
6h24m42s
